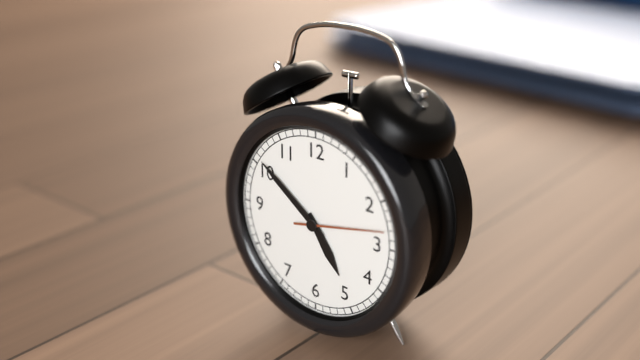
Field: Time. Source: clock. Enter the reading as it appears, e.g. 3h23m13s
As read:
4h51m13s
